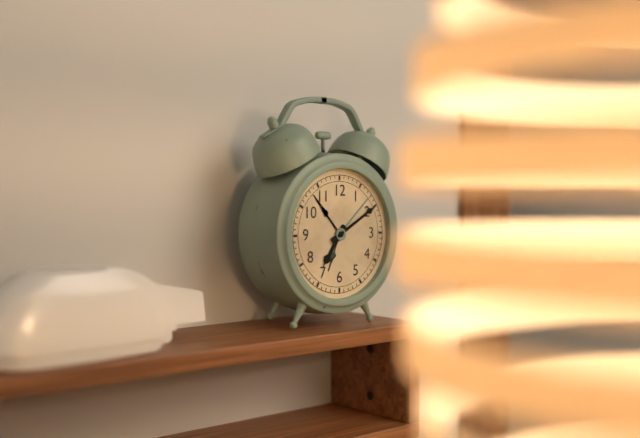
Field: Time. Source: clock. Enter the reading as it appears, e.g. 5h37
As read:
7h10
